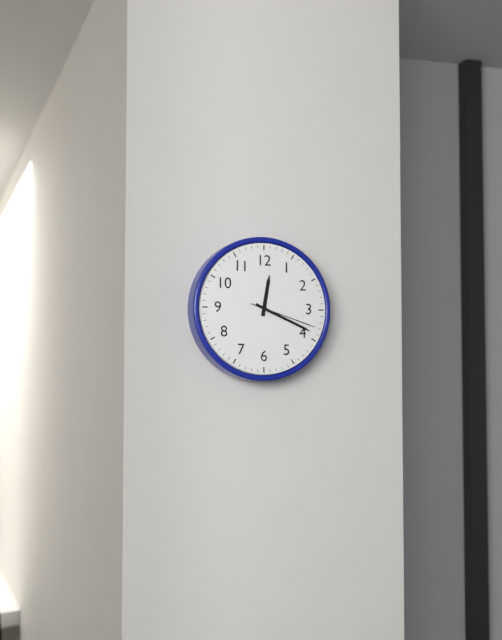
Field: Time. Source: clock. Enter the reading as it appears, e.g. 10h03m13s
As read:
12h19m18s
